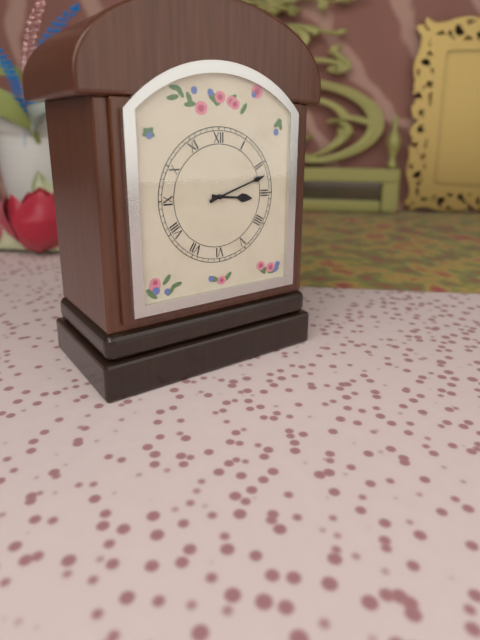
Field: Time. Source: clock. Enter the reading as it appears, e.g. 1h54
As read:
3h12
